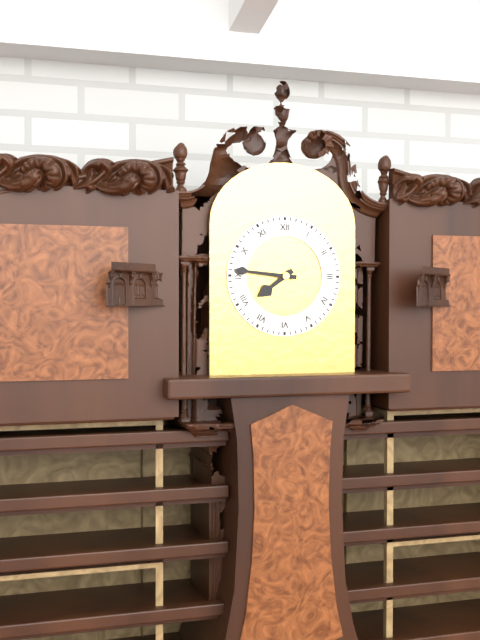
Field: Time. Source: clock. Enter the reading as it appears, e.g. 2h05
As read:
7h46
